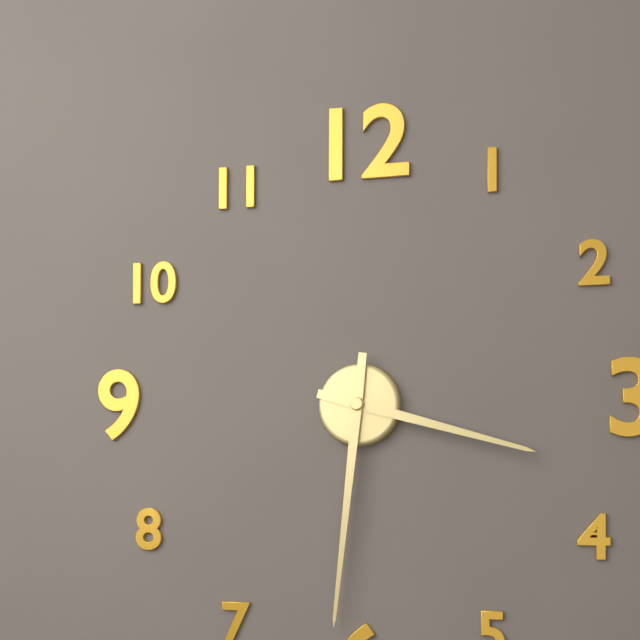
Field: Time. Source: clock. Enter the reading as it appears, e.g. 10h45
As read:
3h31
